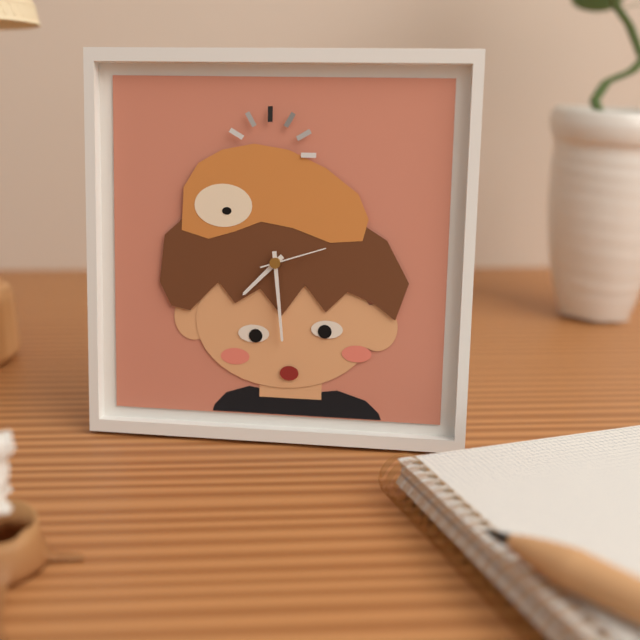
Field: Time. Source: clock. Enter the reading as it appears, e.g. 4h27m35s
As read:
7h29m12s
